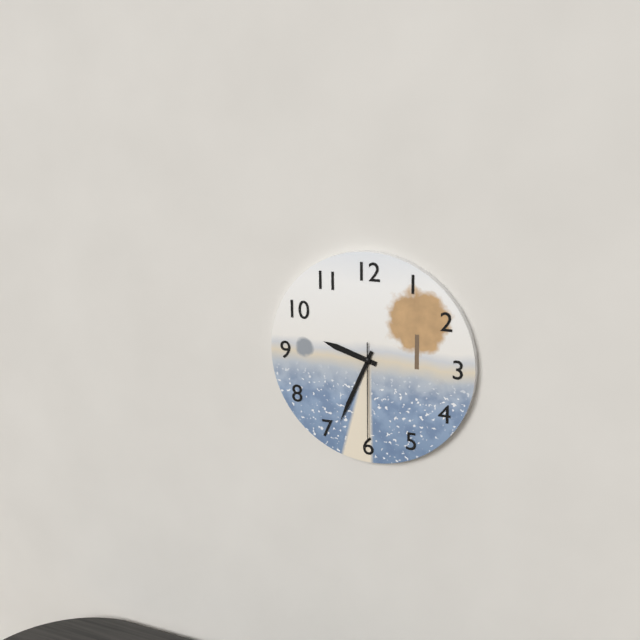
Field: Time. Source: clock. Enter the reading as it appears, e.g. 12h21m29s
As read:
9h34m30s
